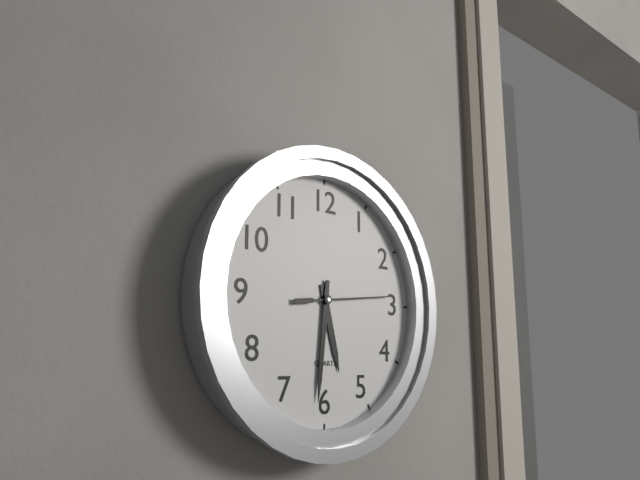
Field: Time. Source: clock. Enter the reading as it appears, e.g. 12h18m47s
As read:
5h31m14s
